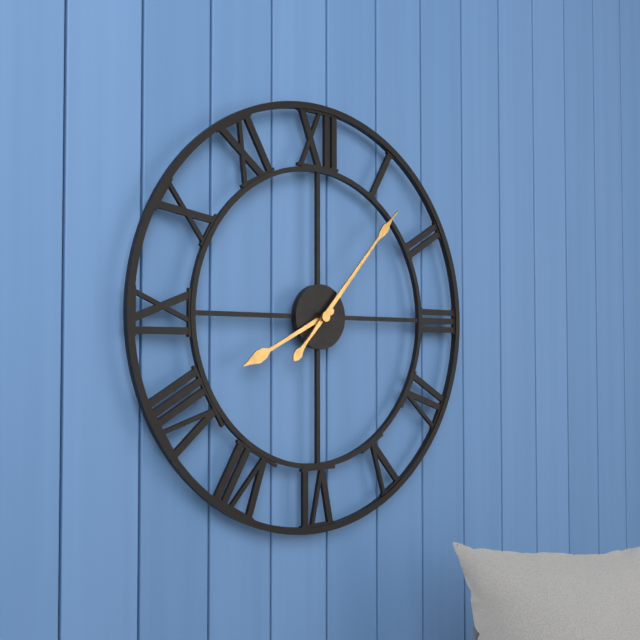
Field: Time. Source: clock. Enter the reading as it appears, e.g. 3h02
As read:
8h07
